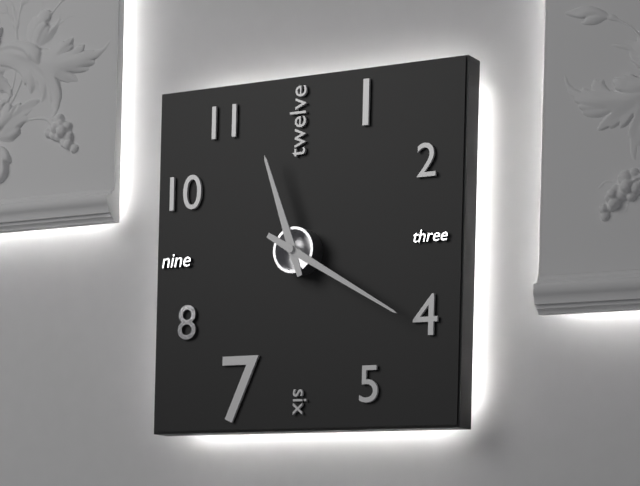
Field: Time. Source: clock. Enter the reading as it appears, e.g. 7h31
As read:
11h20
